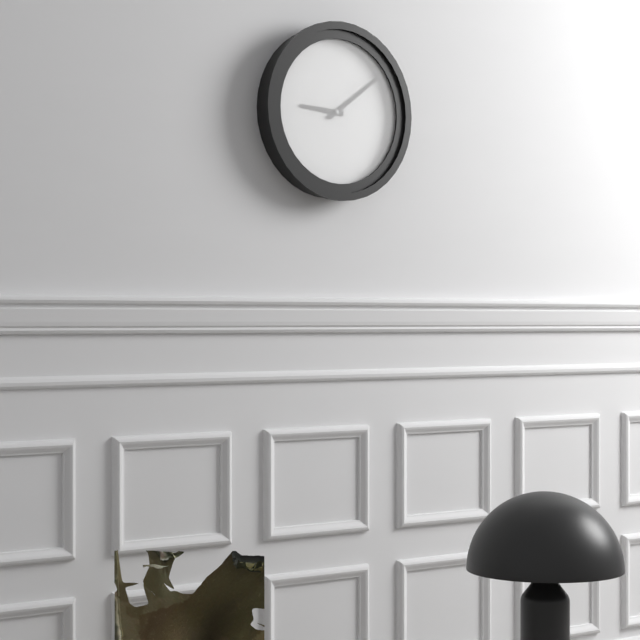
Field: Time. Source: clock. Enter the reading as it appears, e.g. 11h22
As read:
9h09
